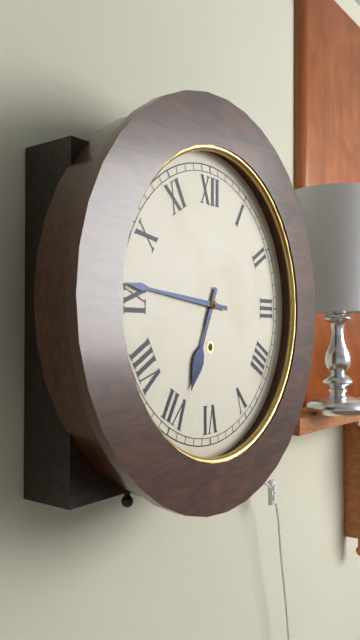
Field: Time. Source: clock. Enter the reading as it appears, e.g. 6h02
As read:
6h46
